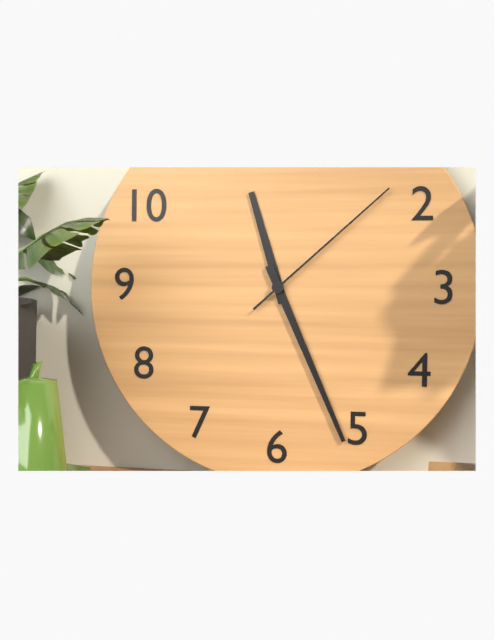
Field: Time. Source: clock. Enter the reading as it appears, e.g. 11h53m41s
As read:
11h26m08s
